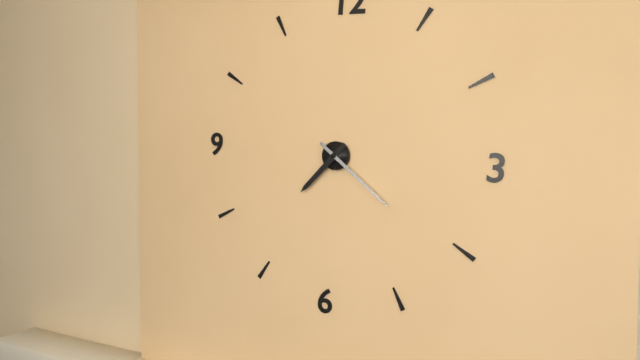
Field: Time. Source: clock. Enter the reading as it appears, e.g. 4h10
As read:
7h21
